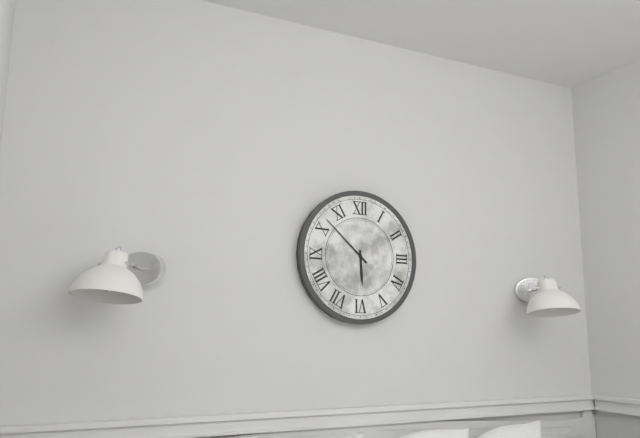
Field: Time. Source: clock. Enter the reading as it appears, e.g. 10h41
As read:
5h52
